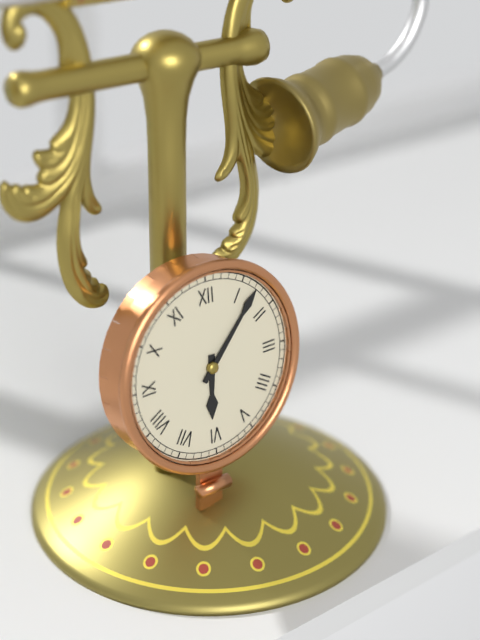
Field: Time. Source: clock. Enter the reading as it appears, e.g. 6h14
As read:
6h07
